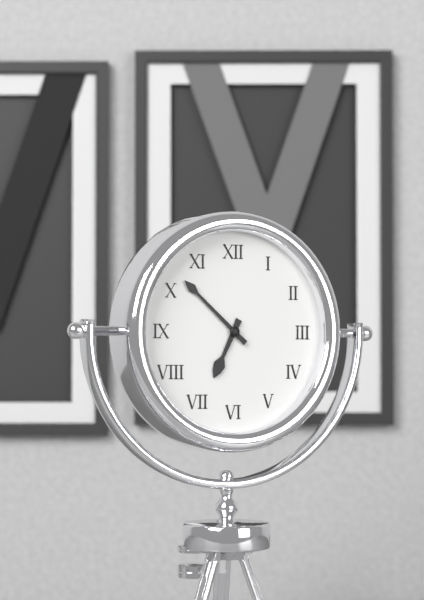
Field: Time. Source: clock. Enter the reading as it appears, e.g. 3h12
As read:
6h52
